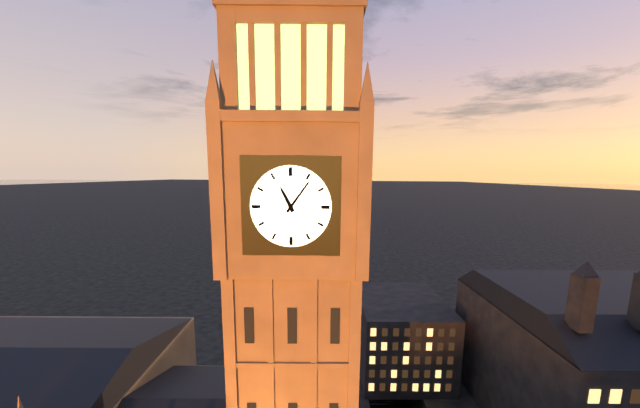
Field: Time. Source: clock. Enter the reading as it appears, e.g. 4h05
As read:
11h06
